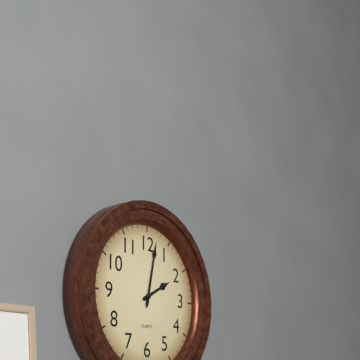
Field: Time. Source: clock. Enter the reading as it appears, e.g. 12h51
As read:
2h02
